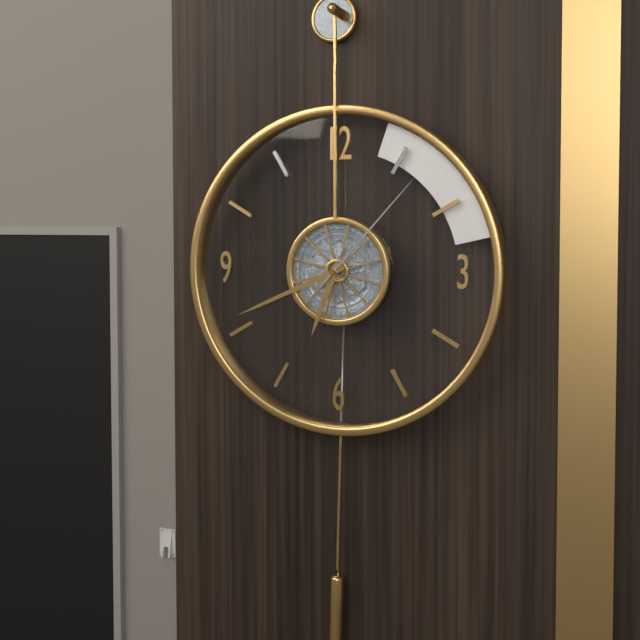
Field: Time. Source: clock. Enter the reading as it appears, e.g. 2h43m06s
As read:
6h41m07s
